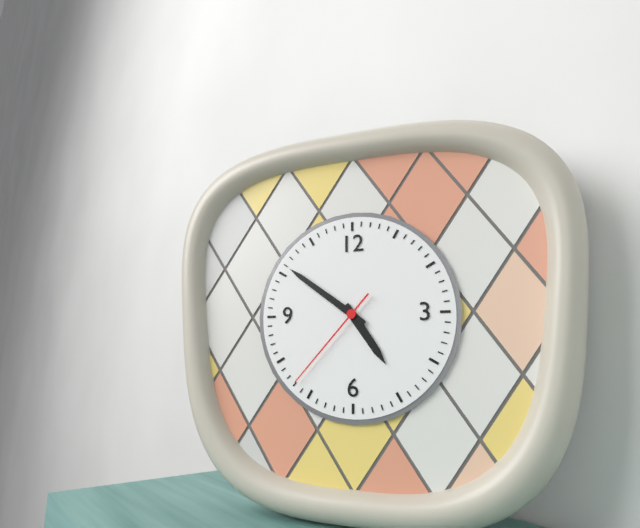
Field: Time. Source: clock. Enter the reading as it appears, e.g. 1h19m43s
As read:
4h51m37s
